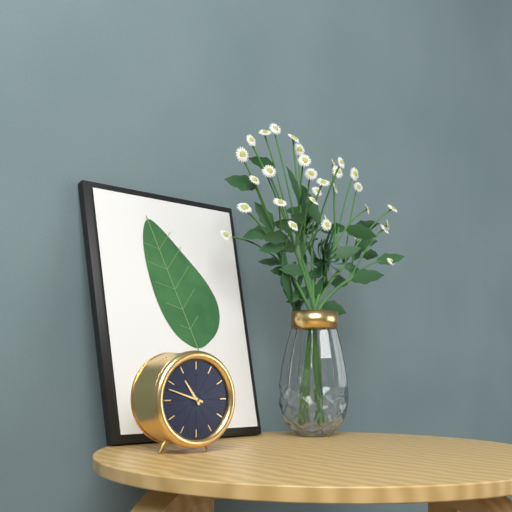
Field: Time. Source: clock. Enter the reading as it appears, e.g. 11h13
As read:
10h48
